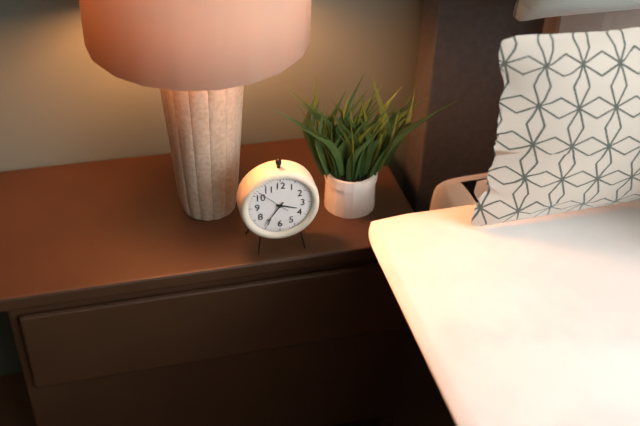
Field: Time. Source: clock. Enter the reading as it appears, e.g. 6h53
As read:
3h36
